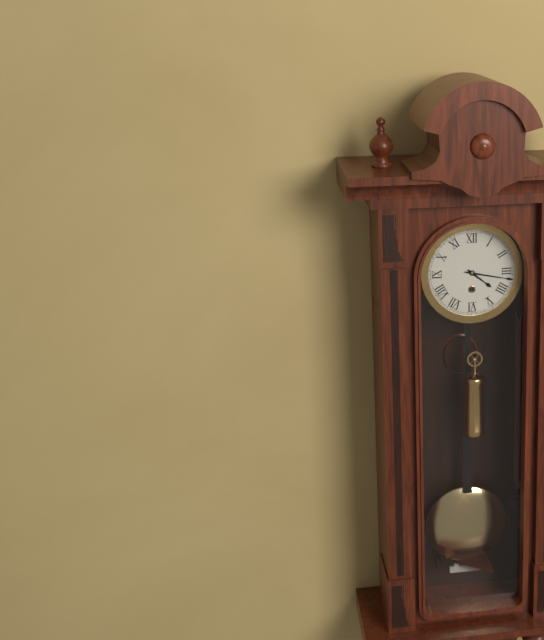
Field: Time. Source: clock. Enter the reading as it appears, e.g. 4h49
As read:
4h17
